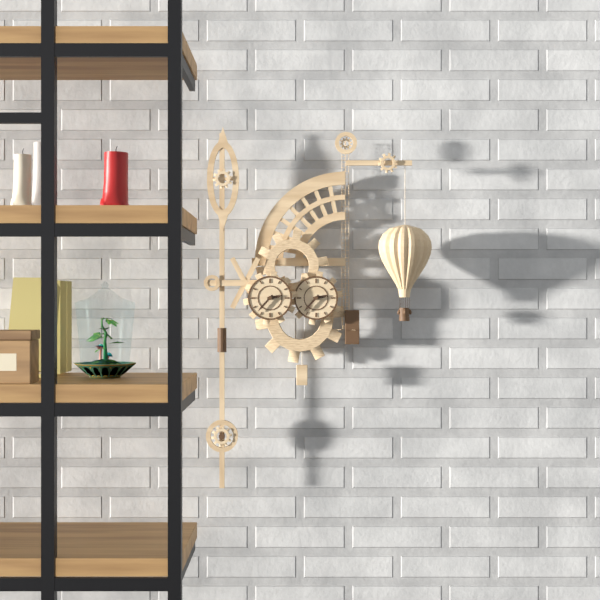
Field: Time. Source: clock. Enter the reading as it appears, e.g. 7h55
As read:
2h37
